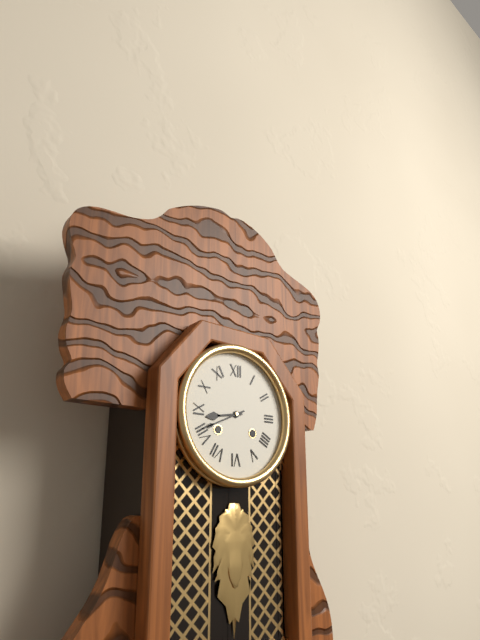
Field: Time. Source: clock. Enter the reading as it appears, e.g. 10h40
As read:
8h41
